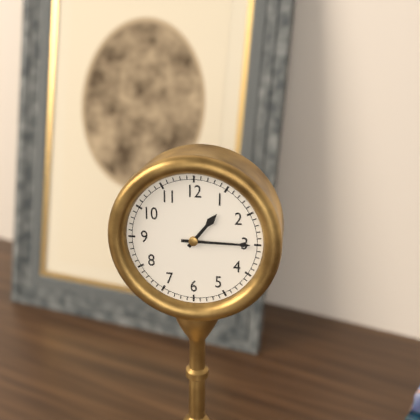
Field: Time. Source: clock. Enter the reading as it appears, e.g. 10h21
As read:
1h15
